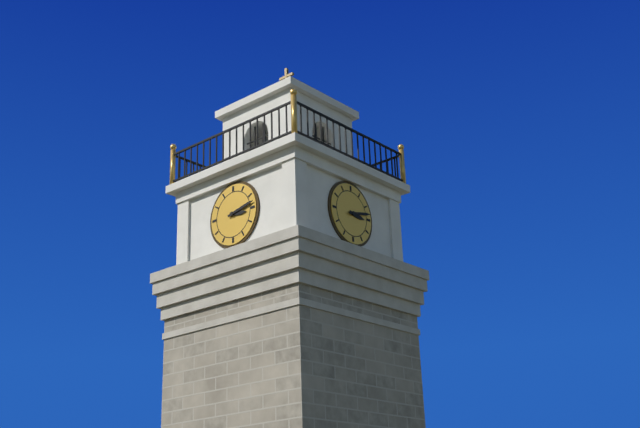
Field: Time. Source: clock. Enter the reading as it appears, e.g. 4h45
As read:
3h13
